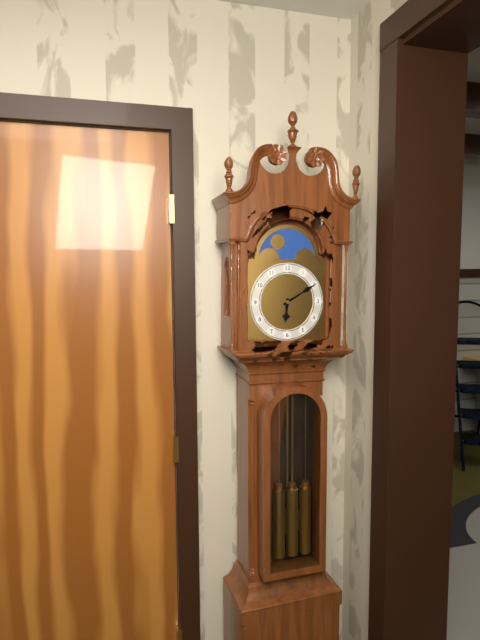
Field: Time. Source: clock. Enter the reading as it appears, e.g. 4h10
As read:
6h10
